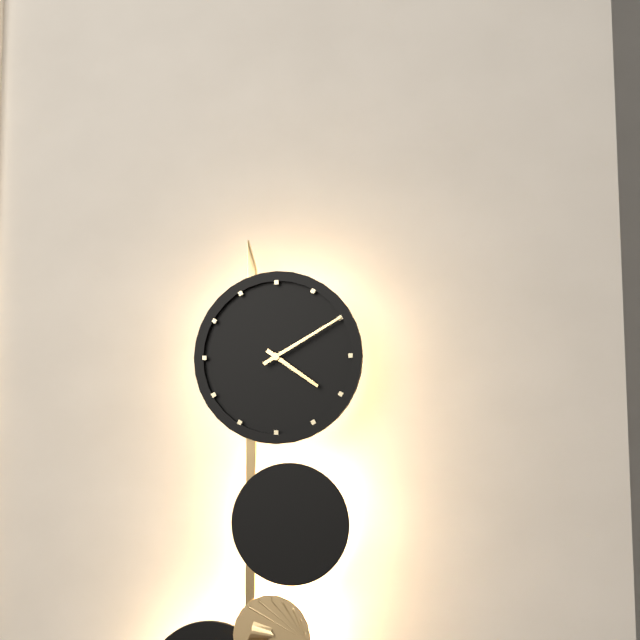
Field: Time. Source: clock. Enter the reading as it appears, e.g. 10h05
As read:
4h10
